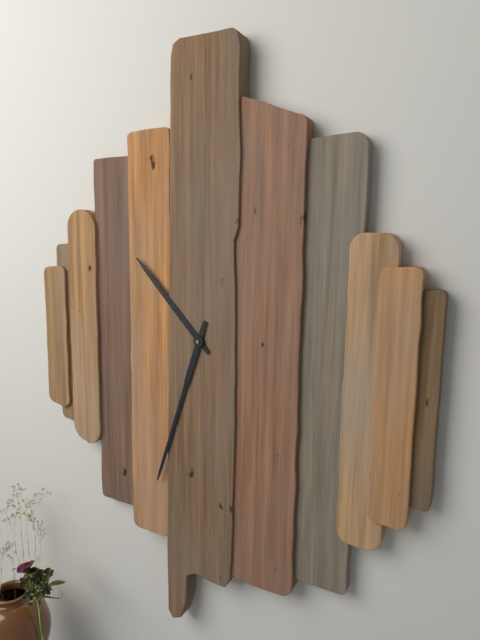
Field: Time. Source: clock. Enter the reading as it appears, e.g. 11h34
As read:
10h33
